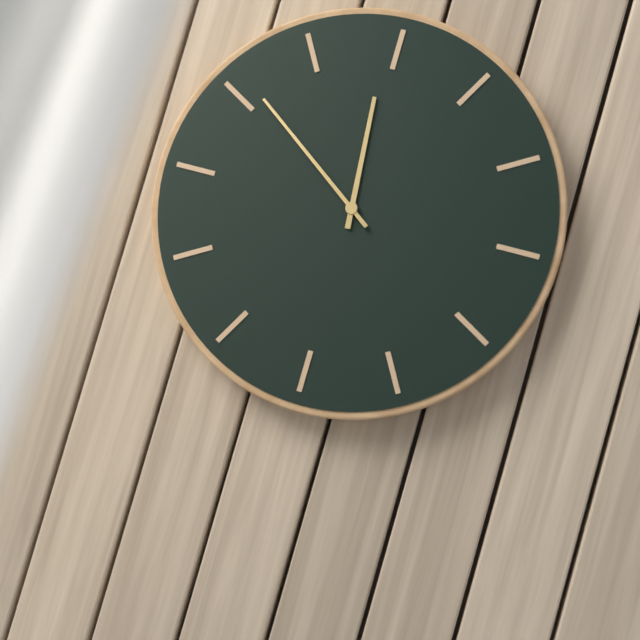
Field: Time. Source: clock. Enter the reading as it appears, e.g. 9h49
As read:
11h51
